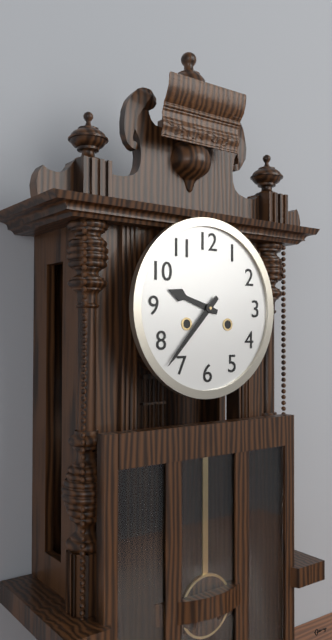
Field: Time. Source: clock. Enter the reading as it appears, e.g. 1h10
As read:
9h37
